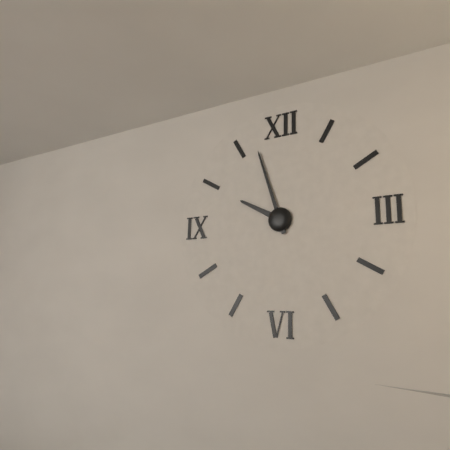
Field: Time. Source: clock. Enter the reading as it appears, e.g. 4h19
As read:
9h57
